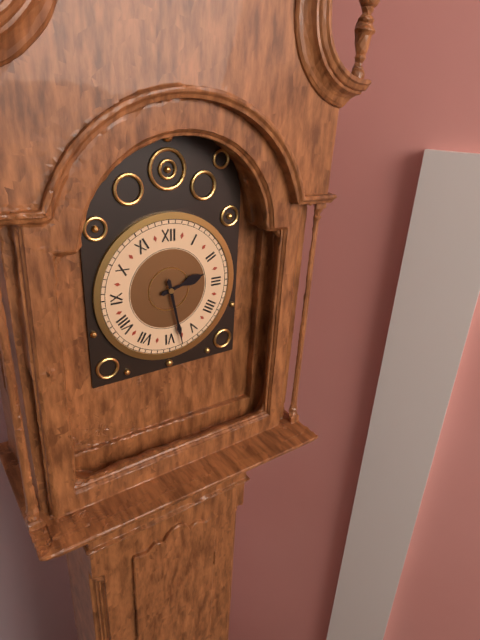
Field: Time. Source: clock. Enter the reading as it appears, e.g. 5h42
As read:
2h28
